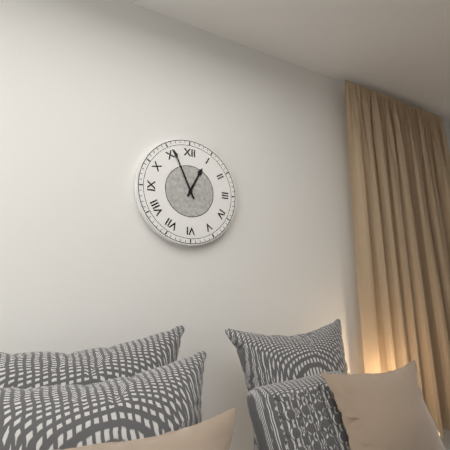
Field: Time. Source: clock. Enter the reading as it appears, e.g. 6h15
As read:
12h56
